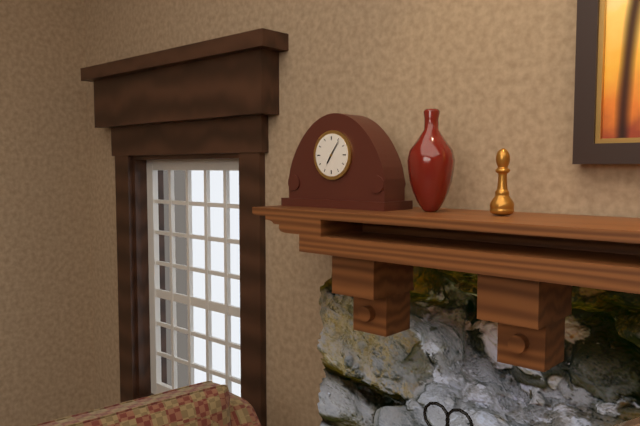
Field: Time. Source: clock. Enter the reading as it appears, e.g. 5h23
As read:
7h06
